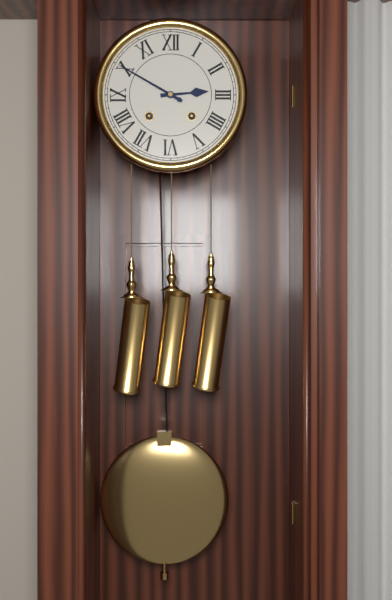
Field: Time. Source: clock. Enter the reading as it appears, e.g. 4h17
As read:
2h50
